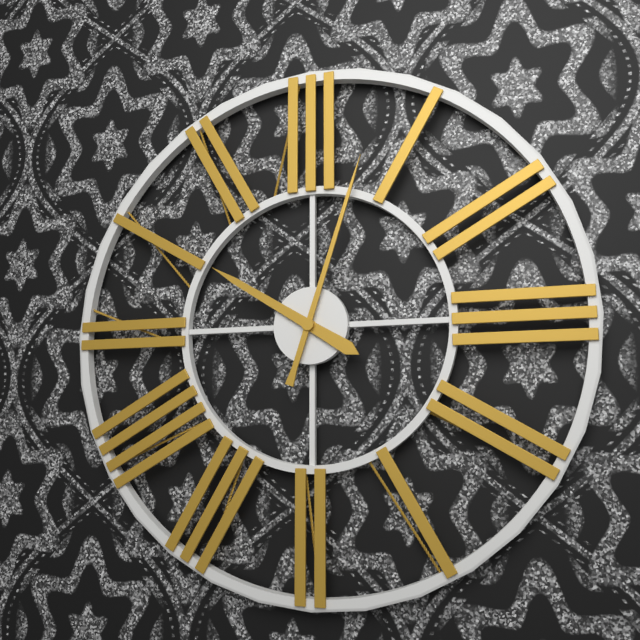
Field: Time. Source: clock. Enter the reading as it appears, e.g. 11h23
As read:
10h03
